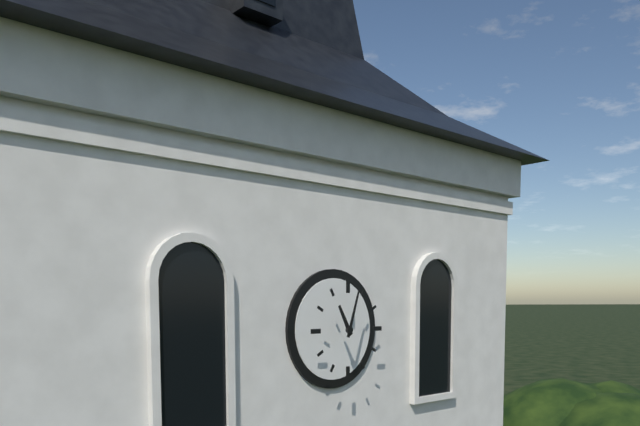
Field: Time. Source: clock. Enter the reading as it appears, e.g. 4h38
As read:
11h03
